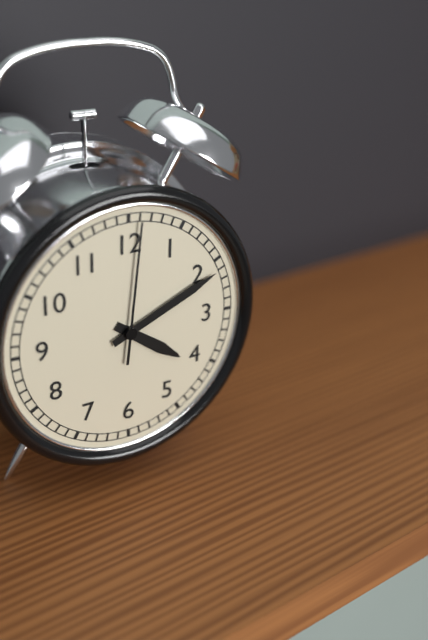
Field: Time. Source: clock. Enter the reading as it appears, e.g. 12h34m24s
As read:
4h11m01s
